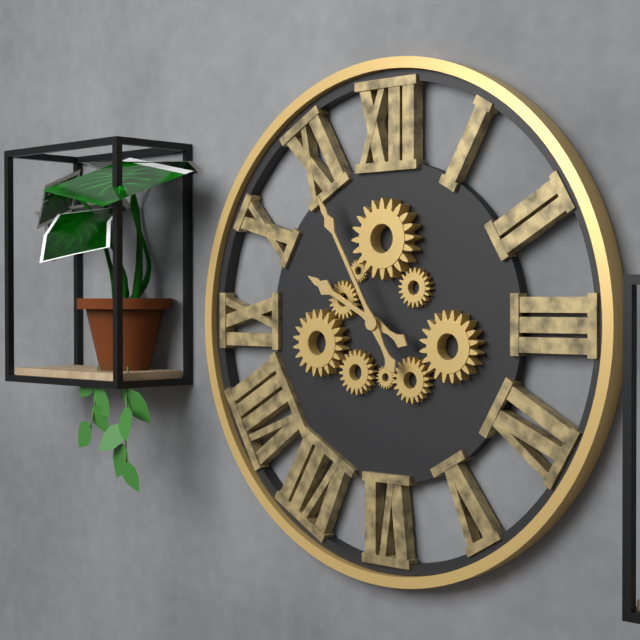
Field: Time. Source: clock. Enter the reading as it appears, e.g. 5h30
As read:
9h55
